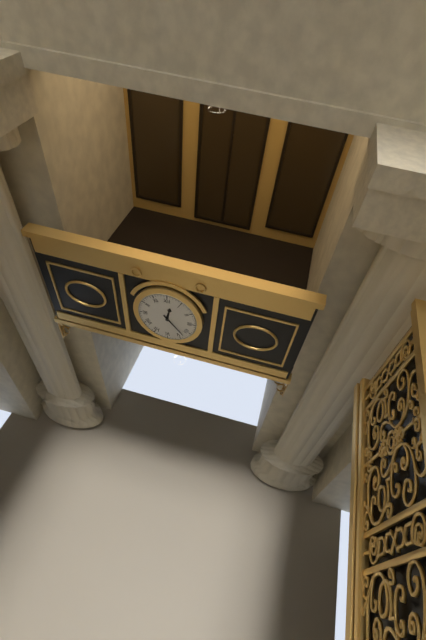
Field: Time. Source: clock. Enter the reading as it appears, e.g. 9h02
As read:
12h23
